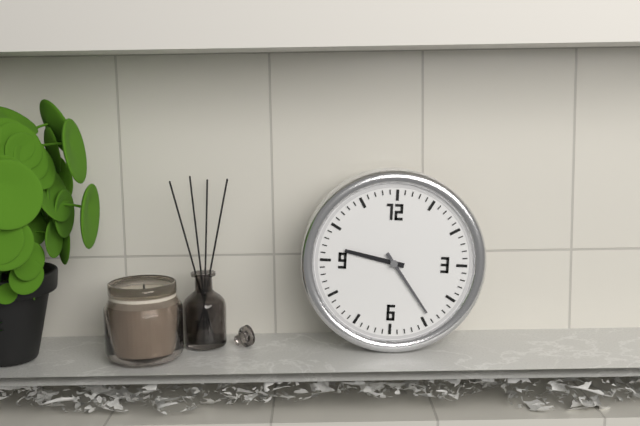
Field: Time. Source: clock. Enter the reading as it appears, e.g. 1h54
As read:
9h24
